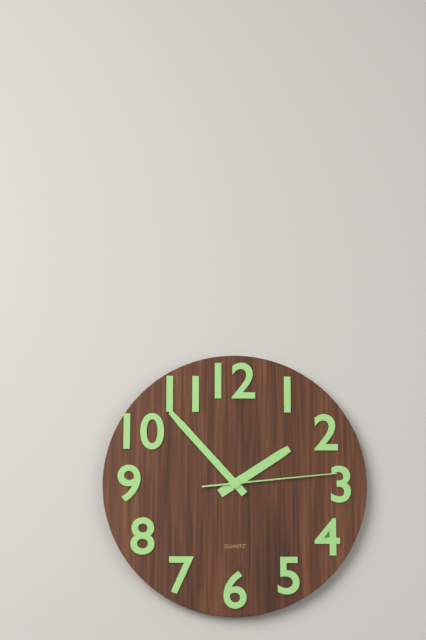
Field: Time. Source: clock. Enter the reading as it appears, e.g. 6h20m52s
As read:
1h53m14s
